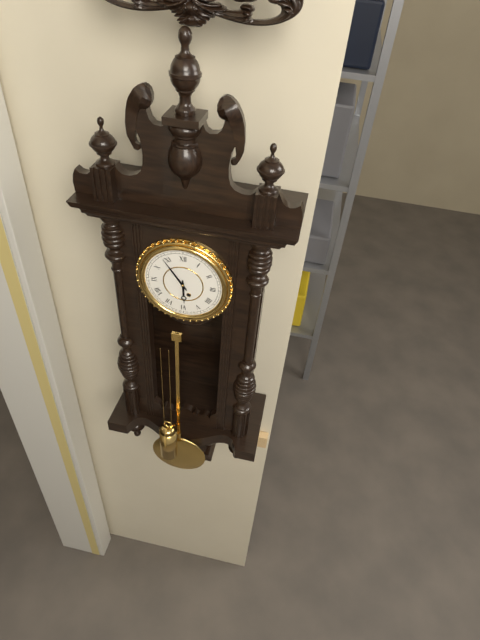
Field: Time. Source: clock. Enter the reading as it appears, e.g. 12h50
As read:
5h54
